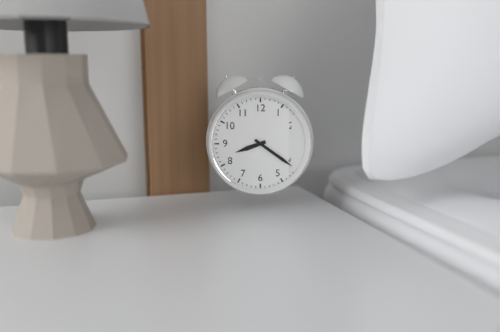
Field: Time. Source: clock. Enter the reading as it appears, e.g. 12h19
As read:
8h21
